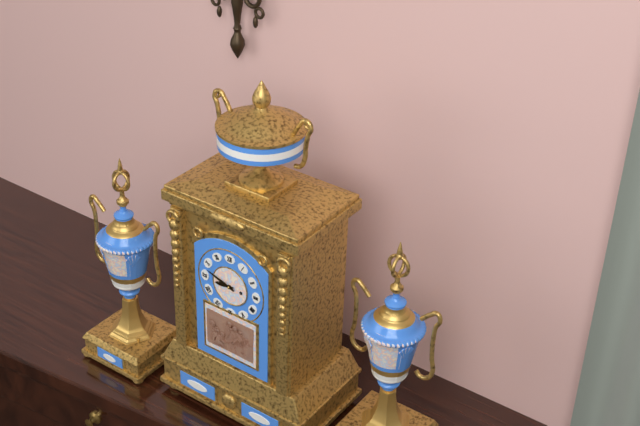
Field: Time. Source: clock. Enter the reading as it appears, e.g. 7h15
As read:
8h48
